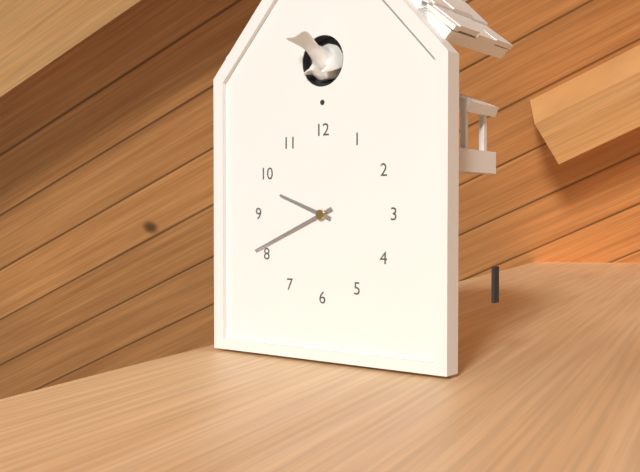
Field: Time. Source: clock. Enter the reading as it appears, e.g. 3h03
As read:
9h41
